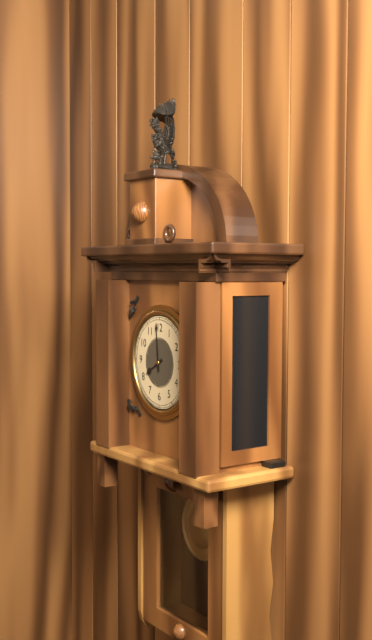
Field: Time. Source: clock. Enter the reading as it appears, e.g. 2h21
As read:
7h59
